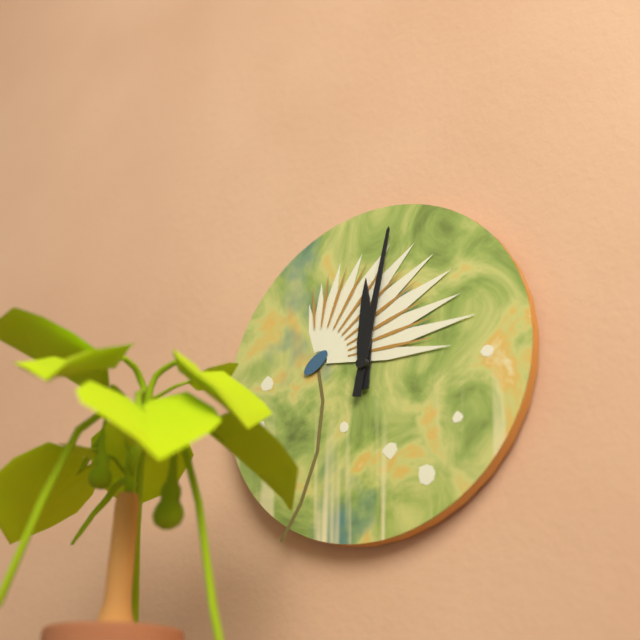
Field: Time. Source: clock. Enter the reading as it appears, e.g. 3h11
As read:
12h02
